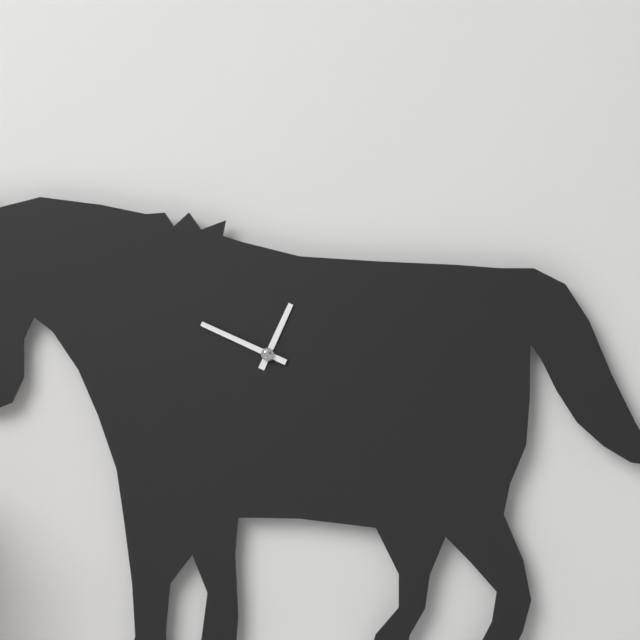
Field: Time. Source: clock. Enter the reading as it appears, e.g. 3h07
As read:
12h49
